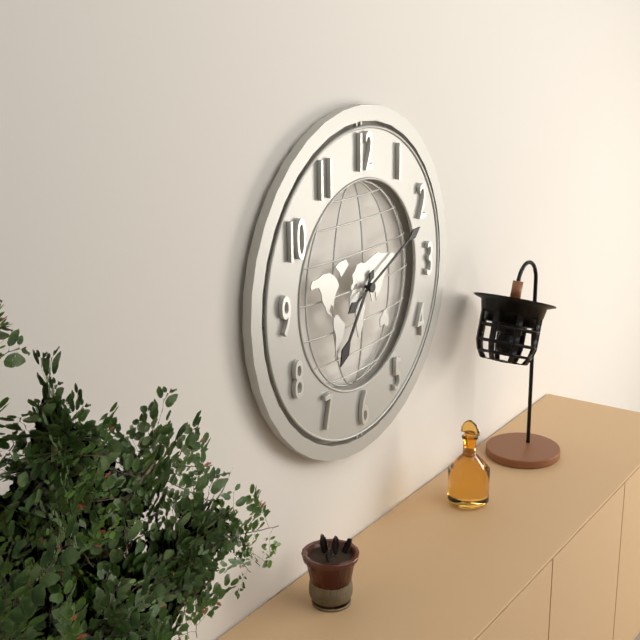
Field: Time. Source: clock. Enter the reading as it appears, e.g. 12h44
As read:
7h11
